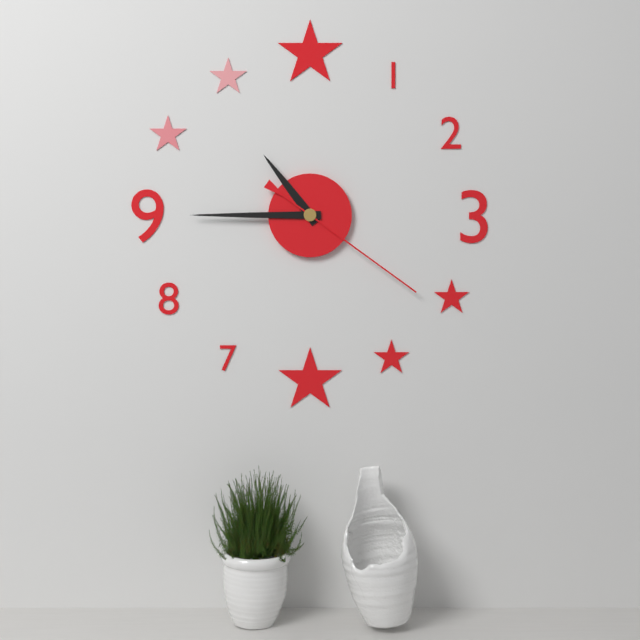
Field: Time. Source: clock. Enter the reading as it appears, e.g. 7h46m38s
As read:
10h45m21s
